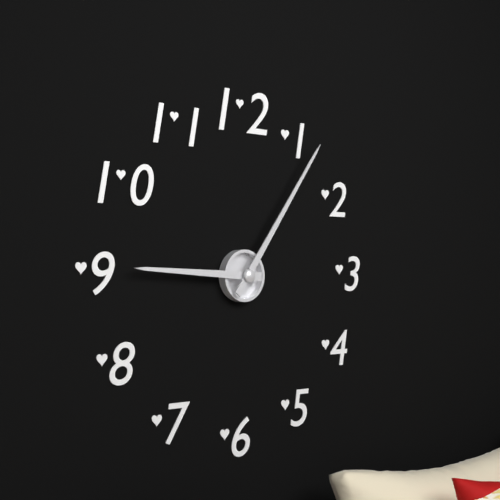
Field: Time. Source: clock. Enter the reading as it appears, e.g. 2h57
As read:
9h06
